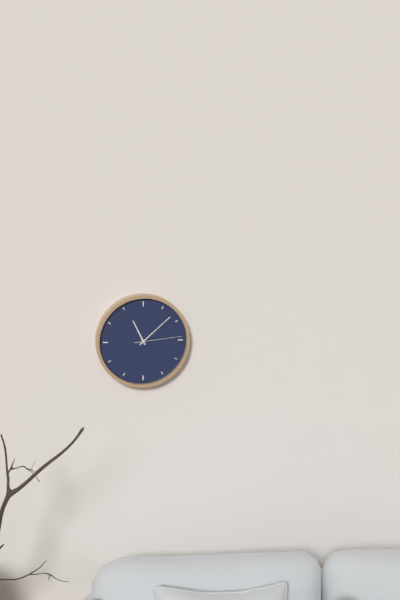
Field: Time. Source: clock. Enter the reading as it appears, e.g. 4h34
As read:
11h08
